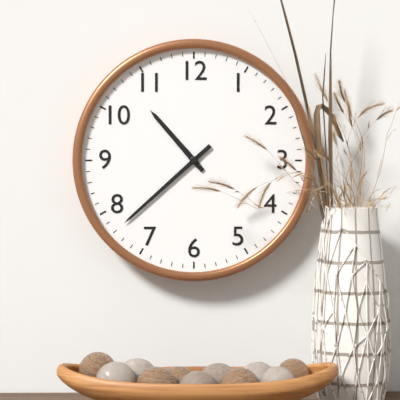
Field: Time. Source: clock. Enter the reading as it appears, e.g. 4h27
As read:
10h38
